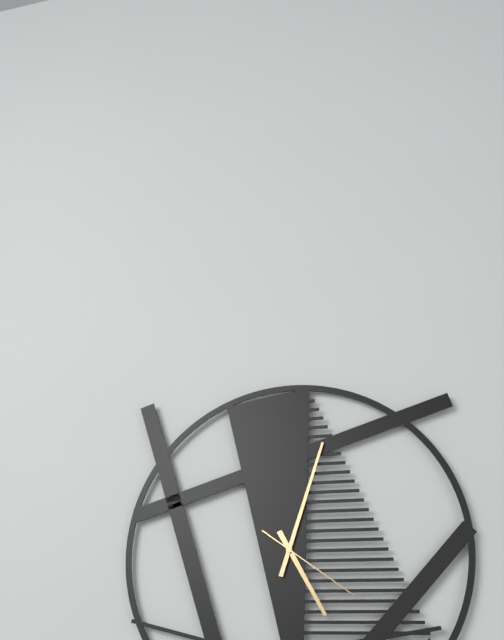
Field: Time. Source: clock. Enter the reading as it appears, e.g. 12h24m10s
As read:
5h03m21s
